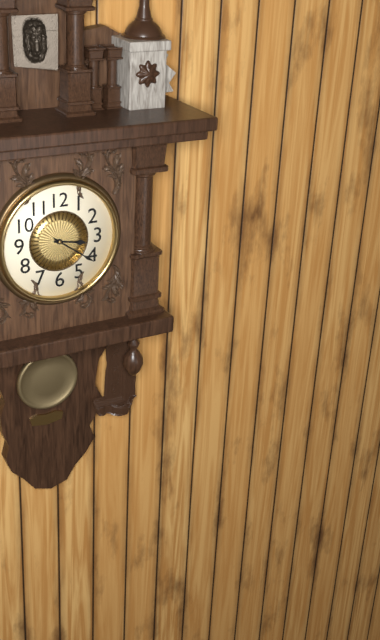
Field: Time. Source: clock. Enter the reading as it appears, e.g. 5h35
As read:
3h21
